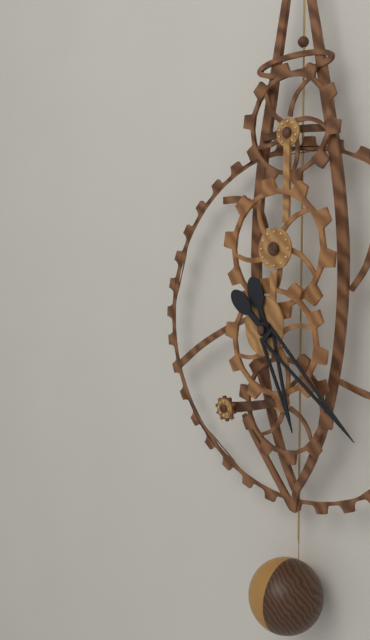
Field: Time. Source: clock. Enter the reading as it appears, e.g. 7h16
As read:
5h22
